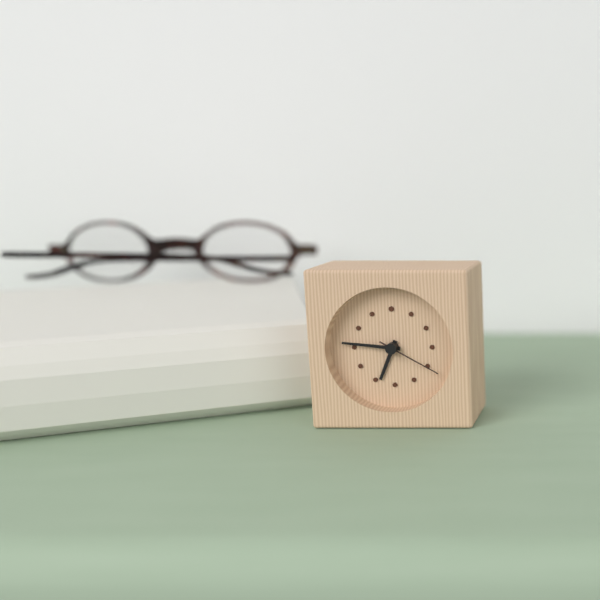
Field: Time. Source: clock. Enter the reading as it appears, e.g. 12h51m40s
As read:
6h46m20s
